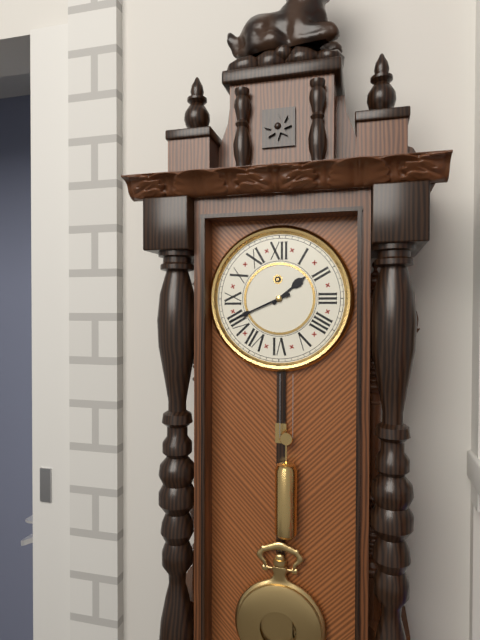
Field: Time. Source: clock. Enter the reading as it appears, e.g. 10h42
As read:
1h41
